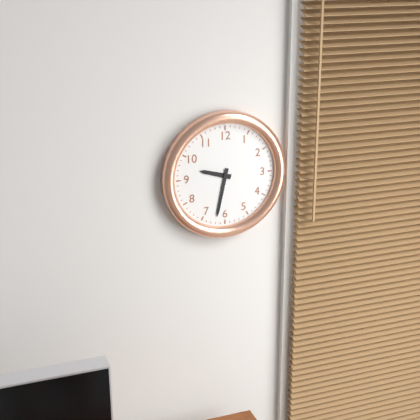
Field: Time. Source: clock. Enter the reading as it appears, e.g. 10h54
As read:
9h32
